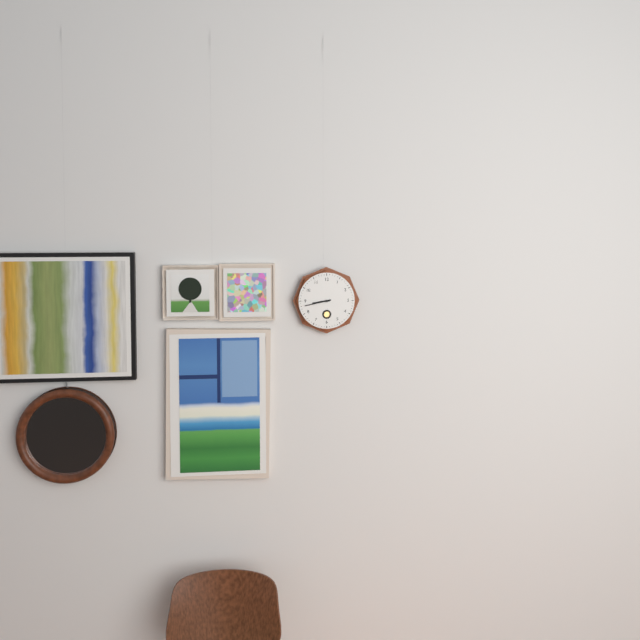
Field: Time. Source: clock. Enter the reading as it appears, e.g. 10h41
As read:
8h43
